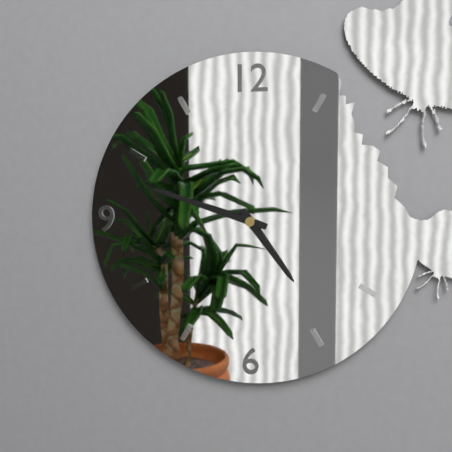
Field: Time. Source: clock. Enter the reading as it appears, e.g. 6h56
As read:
4h48
